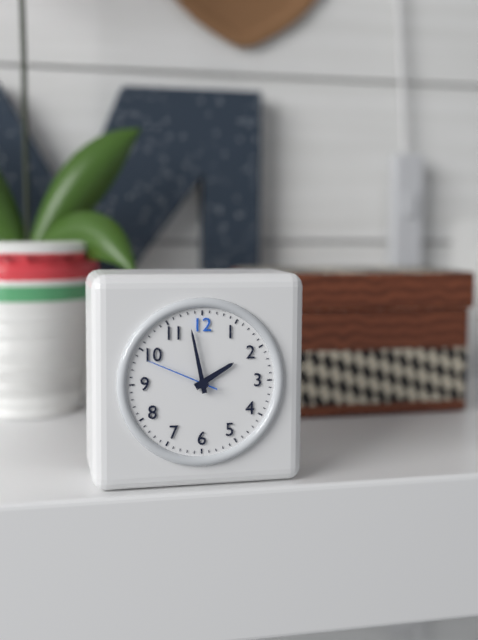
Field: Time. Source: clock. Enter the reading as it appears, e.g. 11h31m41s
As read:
1h58m49s
